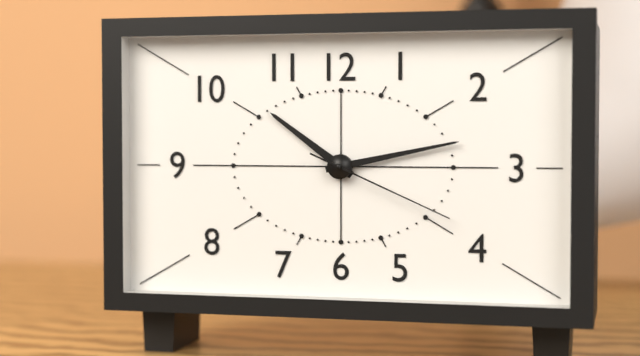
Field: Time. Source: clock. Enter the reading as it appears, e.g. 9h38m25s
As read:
10h13m19s
